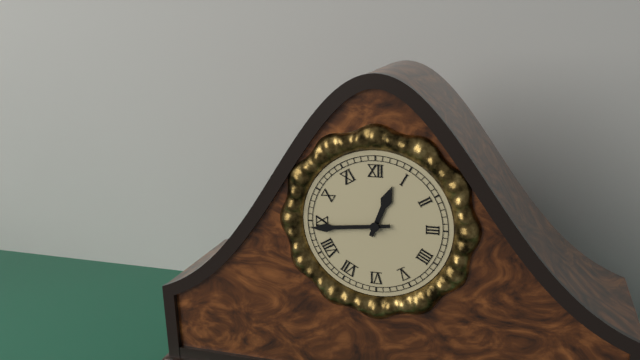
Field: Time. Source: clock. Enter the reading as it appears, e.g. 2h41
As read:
12h44
